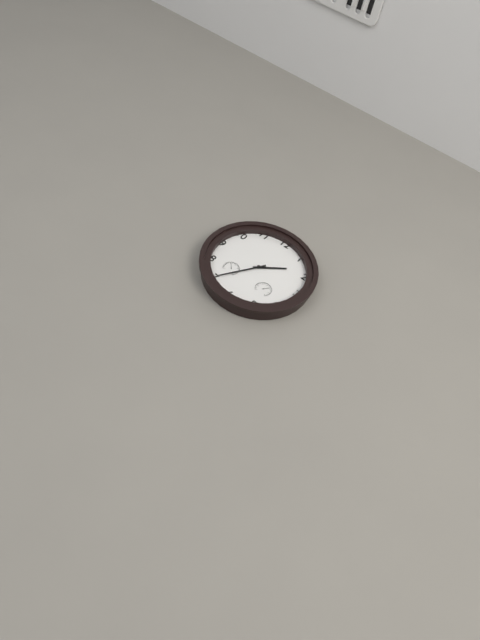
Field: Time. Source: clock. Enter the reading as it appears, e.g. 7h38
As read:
1h35
